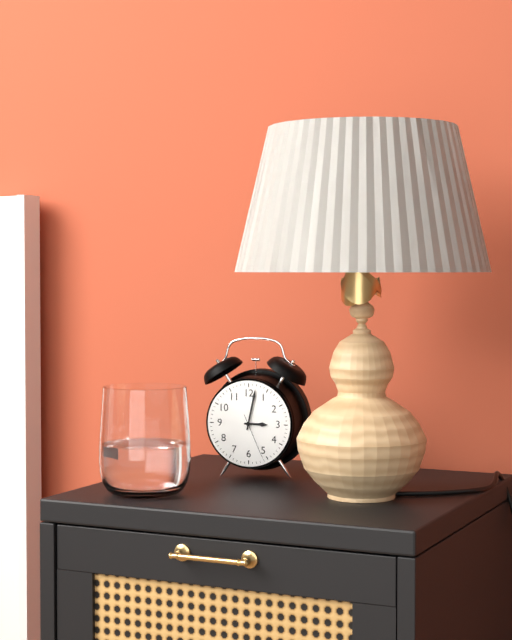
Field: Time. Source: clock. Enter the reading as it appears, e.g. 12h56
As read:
3h02
